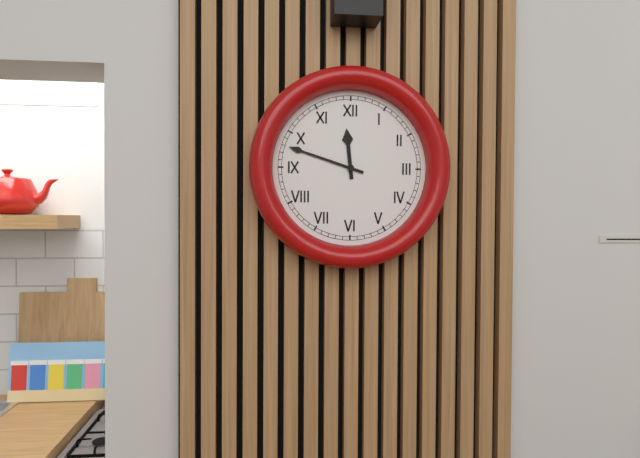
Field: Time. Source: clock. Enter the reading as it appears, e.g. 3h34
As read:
11h48
